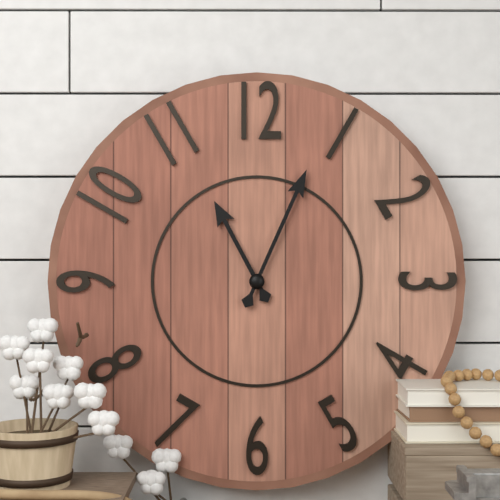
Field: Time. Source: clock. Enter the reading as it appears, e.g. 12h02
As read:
11h04
